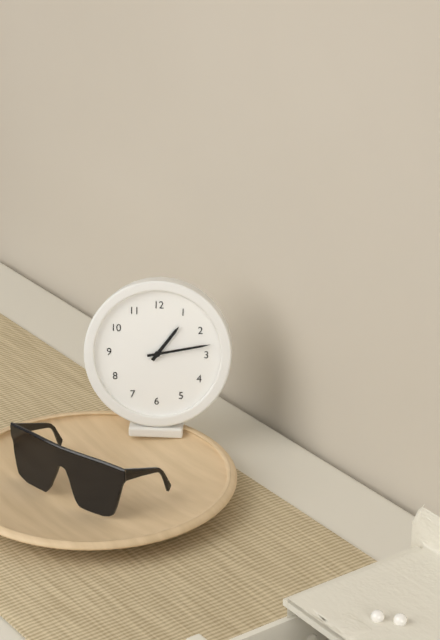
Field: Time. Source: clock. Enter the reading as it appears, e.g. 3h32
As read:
1h13
